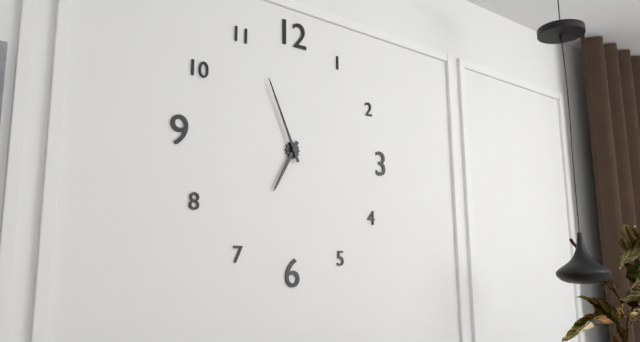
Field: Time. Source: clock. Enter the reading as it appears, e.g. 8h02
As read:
6h56
